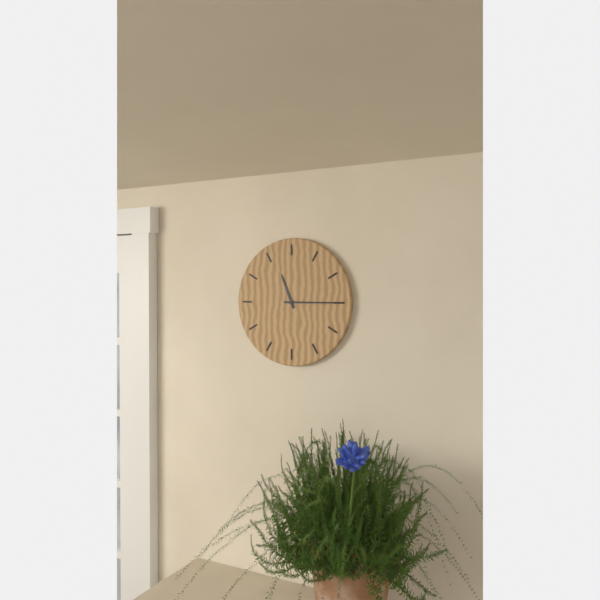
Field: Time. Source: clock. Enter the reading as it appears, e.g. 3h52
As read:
11h15
